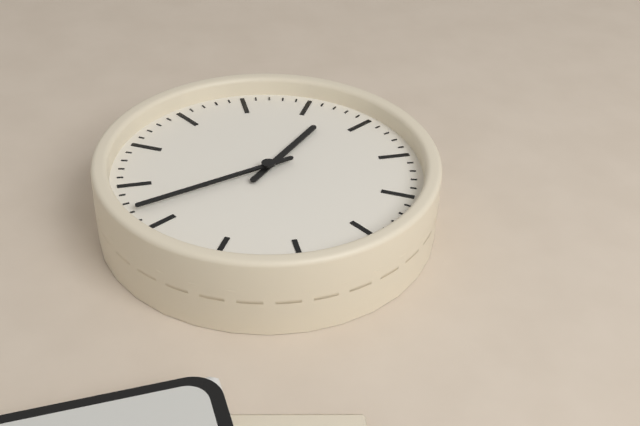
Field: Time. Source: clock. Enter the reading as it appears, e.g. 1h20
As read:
10h27
